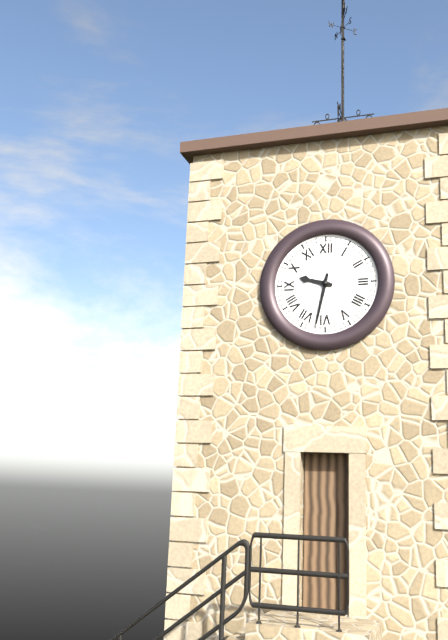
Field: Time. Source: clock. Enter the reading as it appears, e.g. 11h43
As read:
9h32
